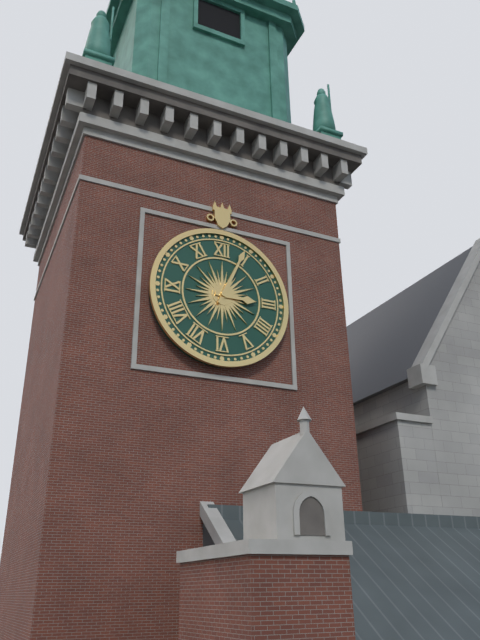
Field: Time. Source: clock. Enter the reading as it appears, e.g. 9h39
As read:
3h04
